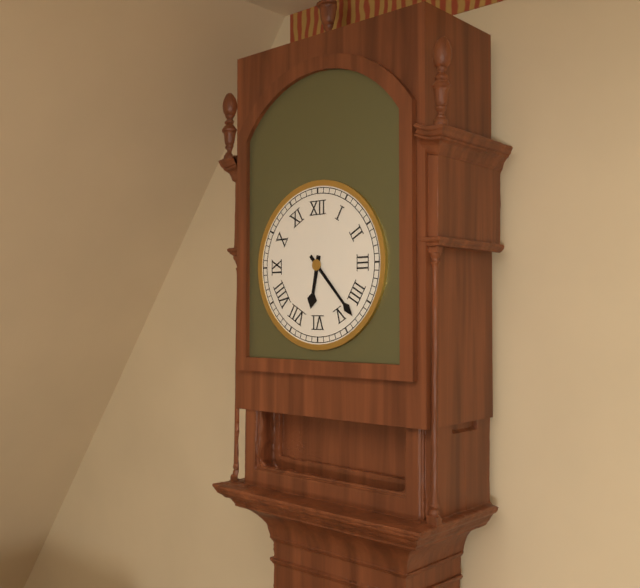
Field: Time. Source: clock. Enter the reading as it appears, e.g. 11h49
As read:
6h23
